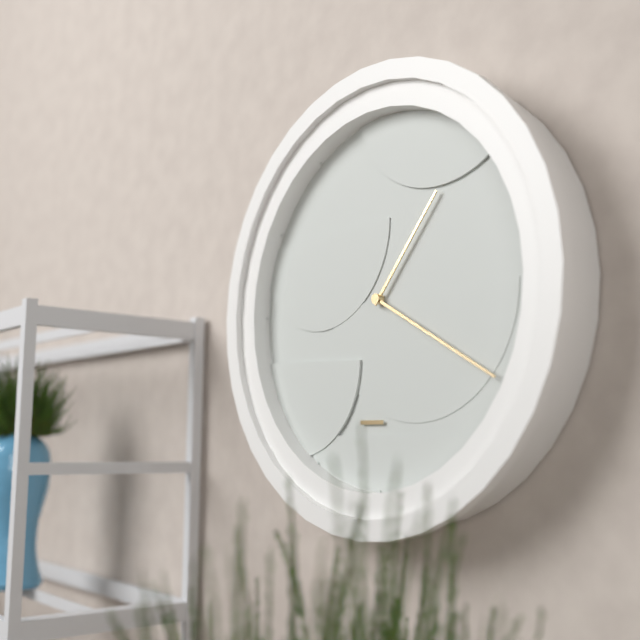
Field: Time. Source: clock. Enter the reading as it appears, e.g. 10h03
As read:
1h20
